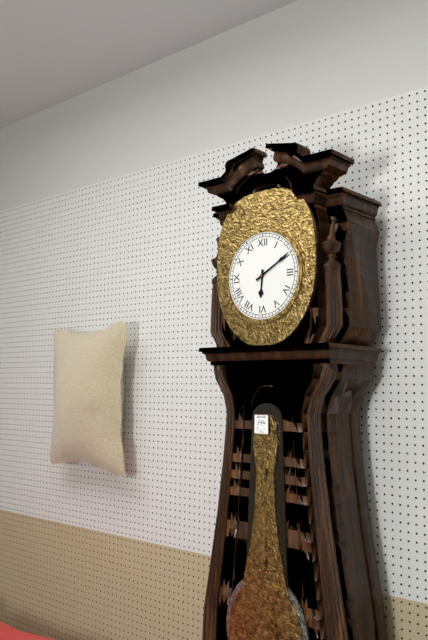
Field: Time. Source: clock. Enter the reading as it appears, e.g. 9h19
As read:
6h10
